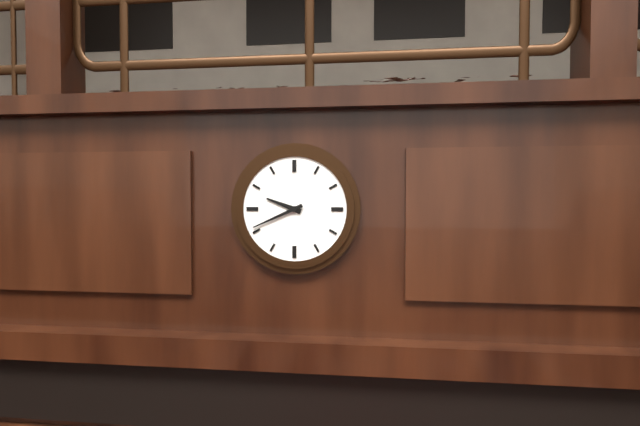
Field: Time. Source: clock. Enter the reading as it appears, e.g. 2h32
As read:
9h41
